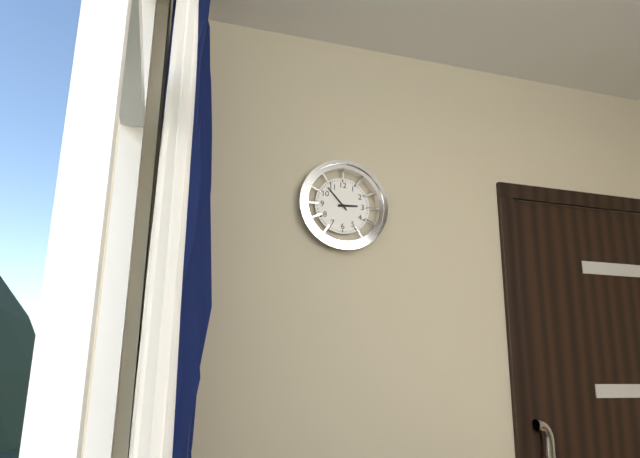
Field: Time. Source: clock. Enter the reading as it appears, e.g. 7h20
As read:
2h53
